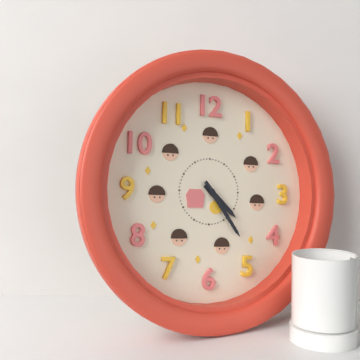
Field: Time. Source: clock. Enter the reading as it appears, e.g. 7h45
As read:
4h24
